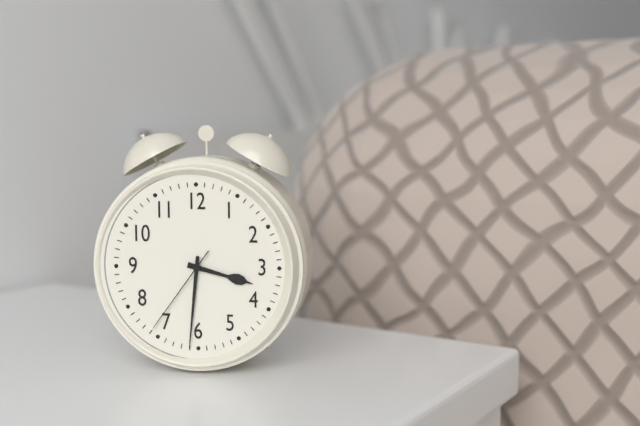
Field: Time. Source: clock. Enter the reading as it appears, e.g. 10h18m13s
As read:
3h31m36s
